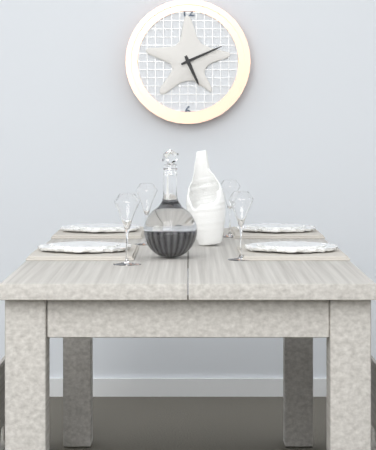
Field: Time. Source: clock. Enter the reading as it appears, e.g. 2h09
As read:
5h11
